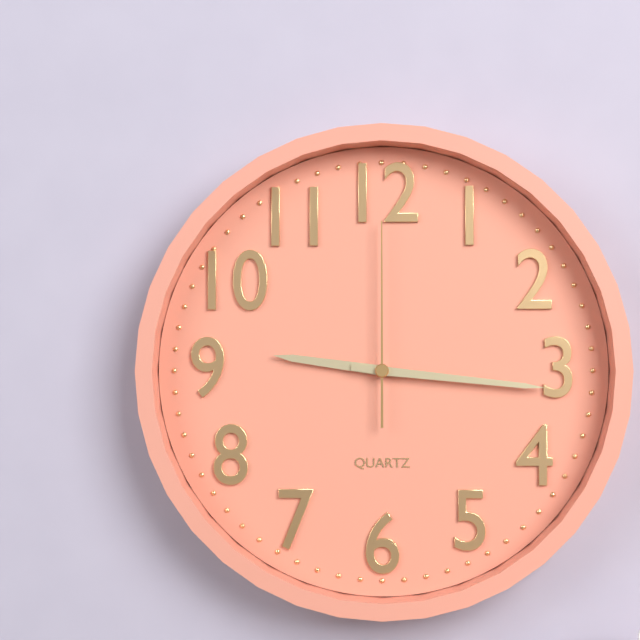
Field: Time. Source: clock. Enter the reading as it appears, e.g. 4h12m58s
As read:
9h16m00s
